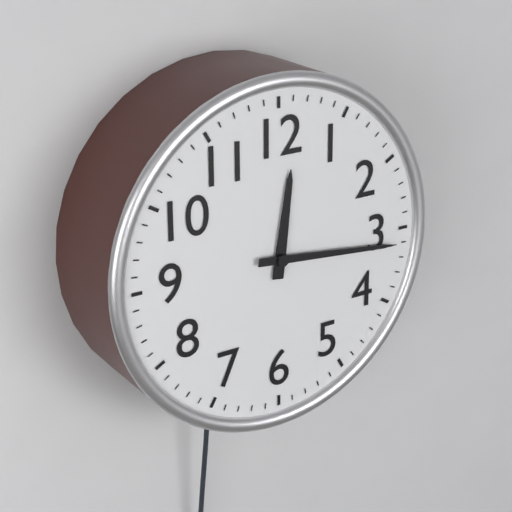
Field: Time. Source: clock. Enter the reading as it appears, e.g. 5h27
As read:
12h16
